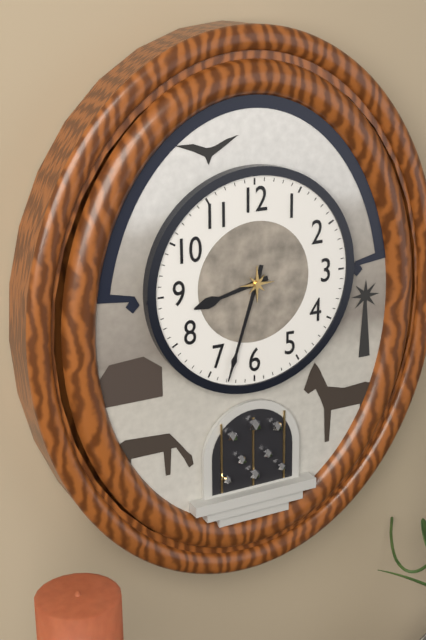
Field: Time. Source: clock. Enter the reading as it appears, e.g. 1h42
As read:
8h33
